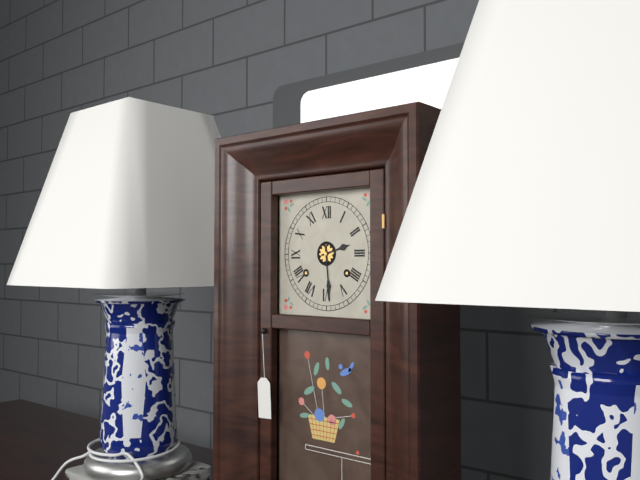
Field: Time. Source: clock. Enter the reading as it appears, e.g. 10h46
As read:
2h29
